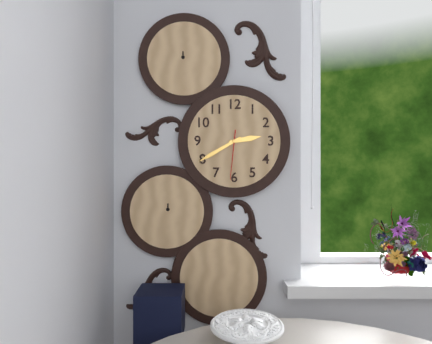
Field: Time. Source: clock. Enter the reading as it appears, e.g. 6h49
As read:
2h40
